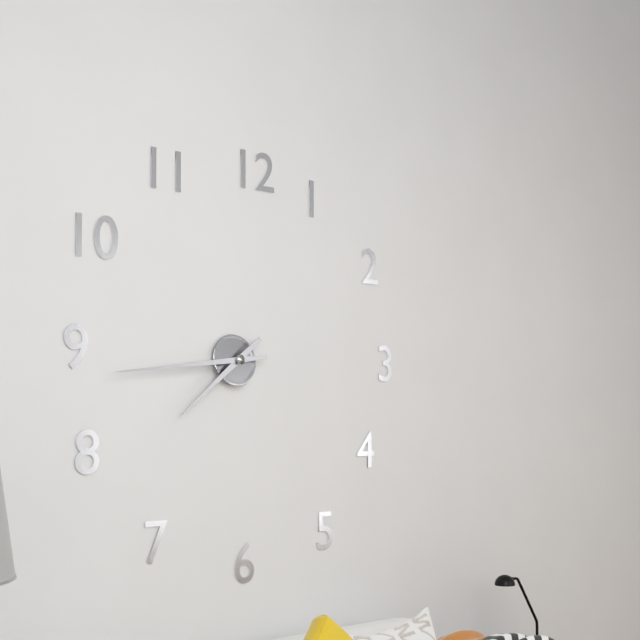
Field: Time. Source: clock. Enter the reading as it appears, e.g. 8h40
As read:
7h44
